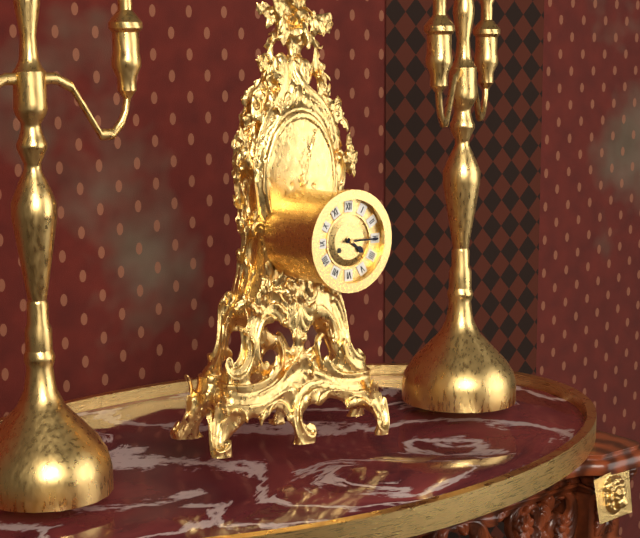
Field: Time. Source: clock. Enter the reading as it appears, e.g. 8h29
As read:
4h15
